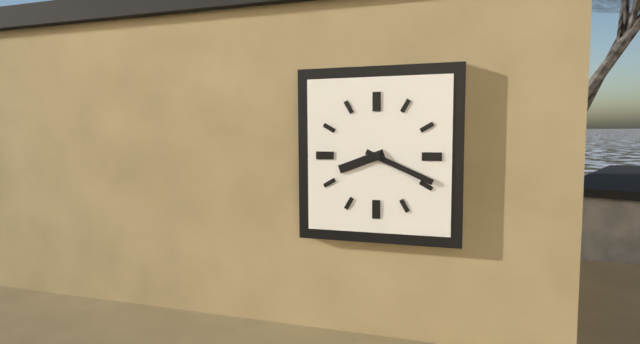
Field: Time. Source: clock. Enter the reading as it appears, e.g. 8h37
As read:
8h19
